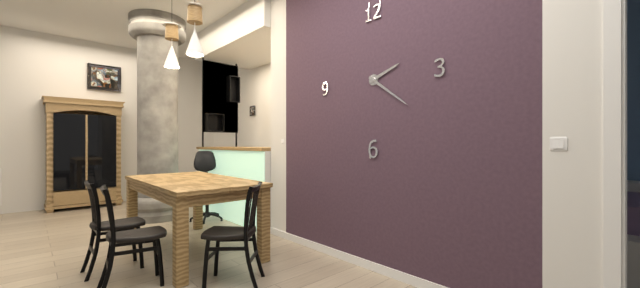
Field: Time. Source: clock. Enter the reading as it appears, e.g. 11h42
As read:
2h21
